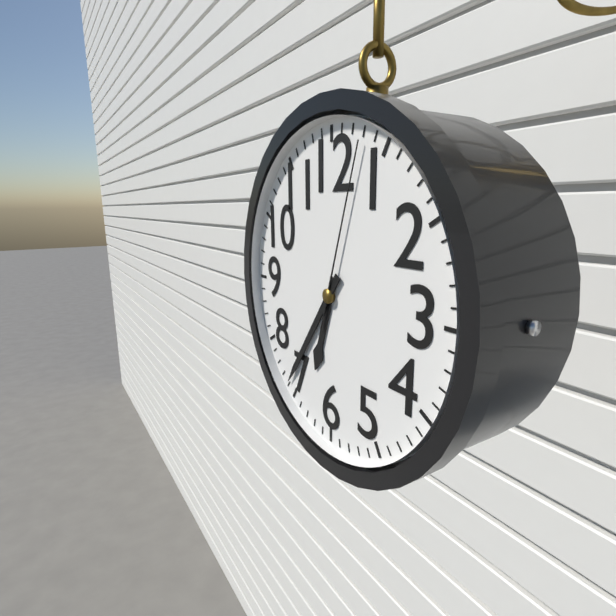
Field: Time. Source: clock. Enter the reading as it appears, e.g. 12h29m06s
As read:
6h36m03s
